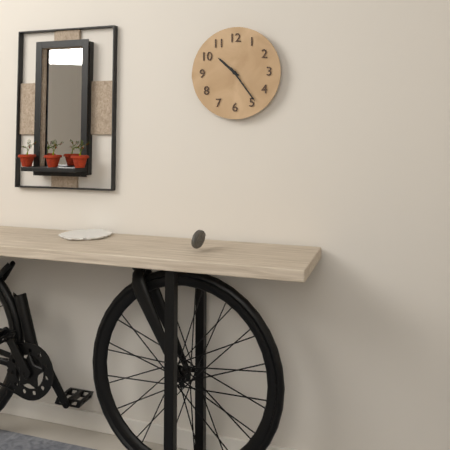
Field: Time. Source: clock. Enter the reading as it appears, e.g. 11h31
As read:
10h24
